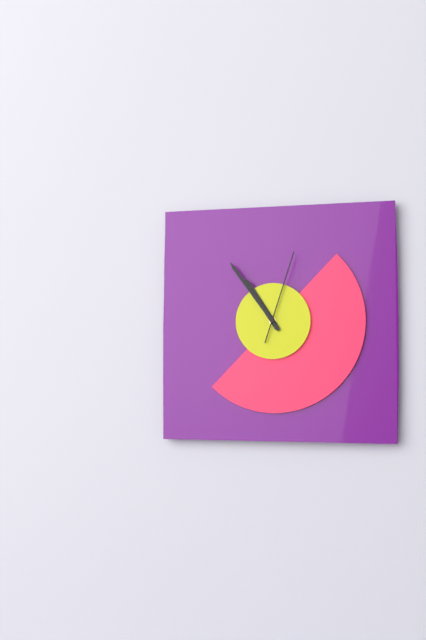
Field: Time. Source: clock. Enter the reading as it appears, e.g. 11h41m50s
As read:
10h54m03s
